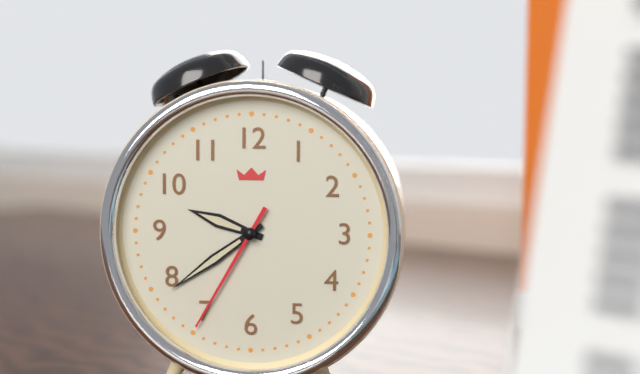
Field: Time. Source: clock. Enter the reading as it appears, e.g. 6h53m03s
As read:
9h39m35s
